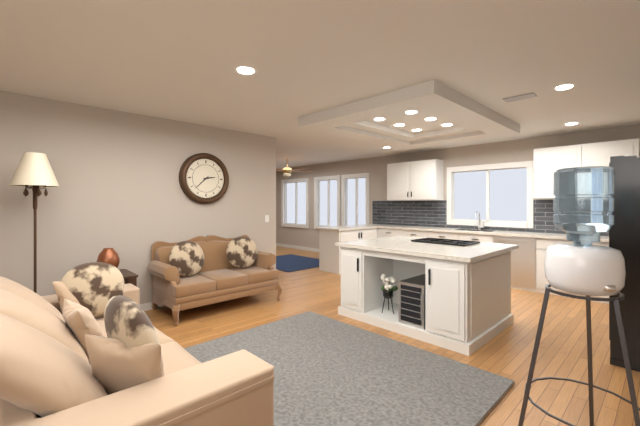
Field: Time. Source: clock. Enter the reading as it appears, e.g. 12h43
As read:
2h38
